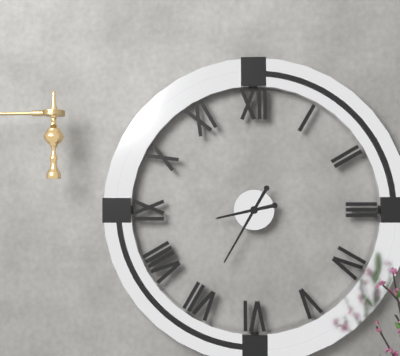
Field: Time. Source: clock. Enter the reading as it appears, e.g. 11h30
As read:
8h35
